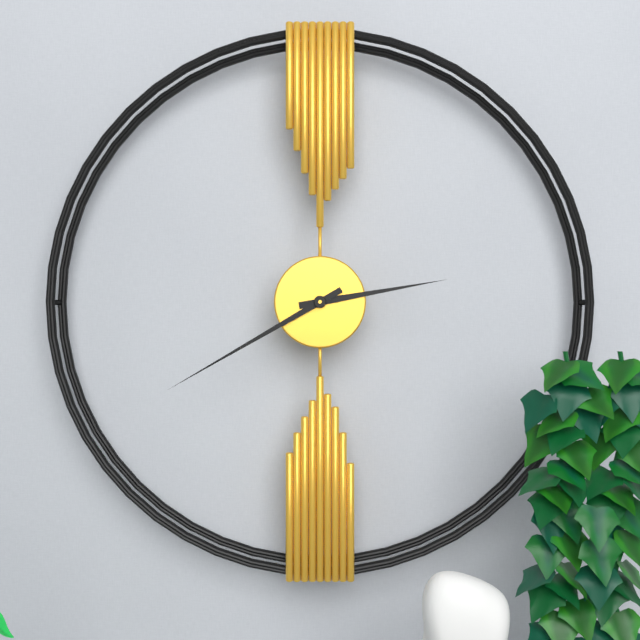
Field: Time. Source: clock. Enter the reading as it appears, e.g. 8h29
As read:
2h40
